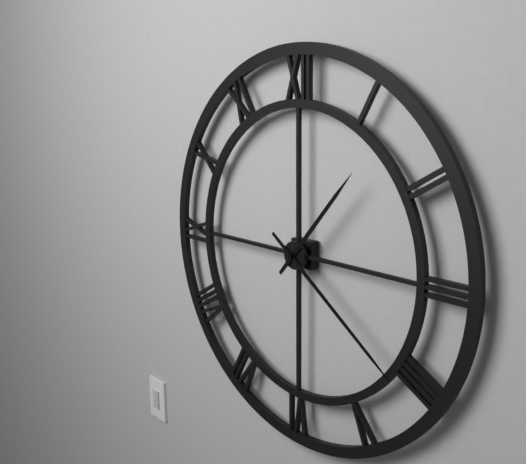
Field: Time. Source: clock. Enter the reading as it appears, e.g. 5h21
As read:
1h21
